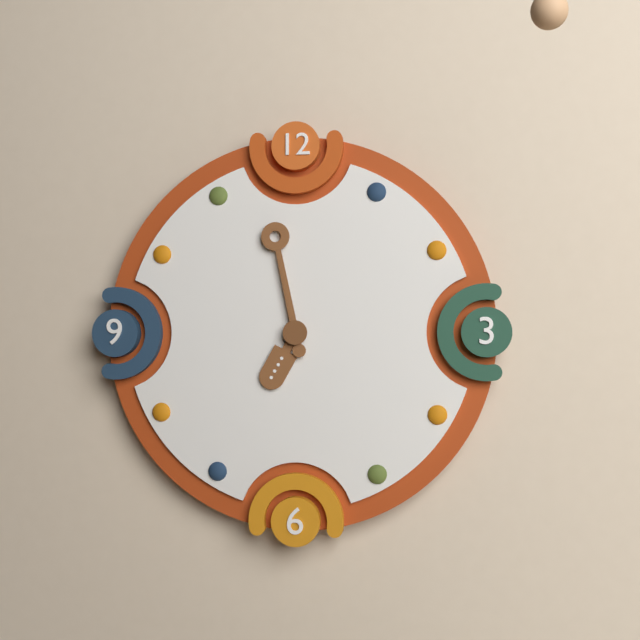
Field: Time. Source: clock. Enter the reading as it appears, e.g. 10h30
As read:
6h58
